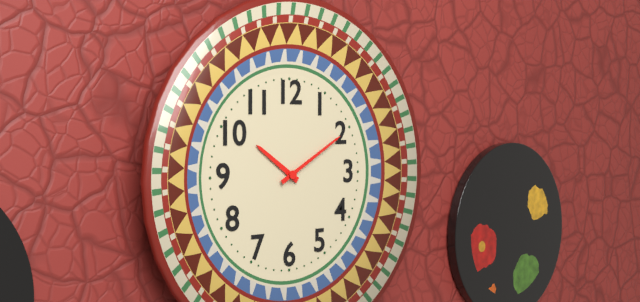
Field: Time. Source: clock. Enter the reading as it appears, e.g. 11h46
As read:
10h10
